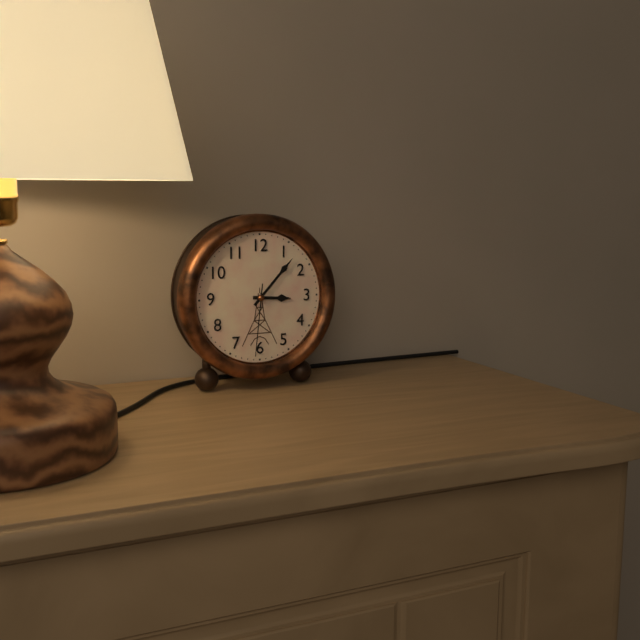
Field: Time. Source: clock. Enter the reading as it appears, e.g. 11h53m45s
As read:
3h07m31s
